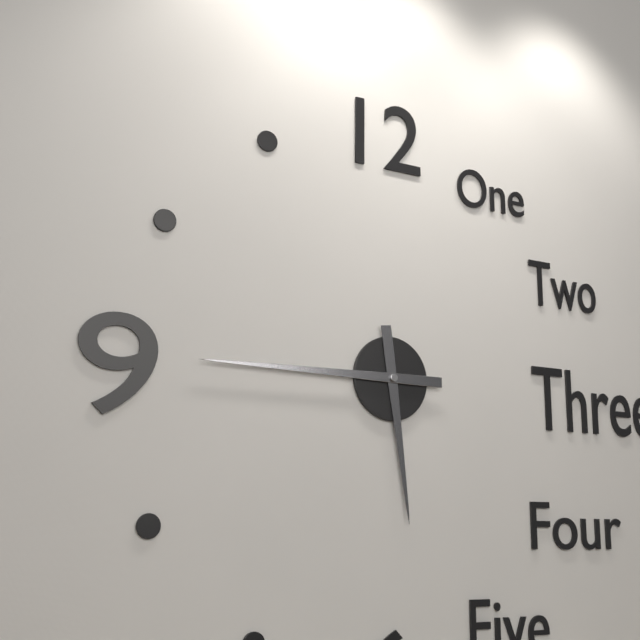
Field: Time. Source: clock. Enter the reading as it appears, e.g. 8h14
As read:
5h45
